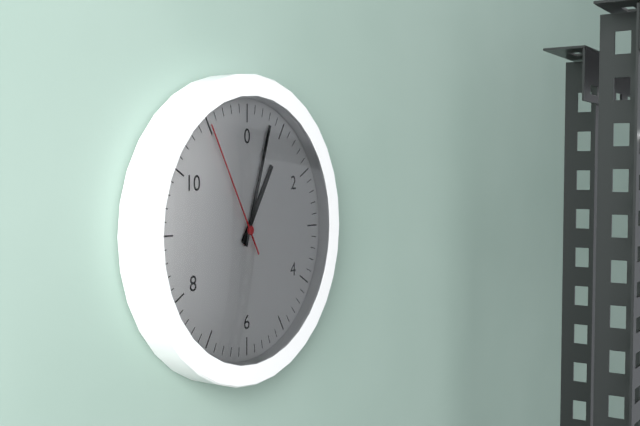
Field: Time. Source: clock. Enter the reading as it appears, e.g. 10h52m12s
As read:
1h03m55s
